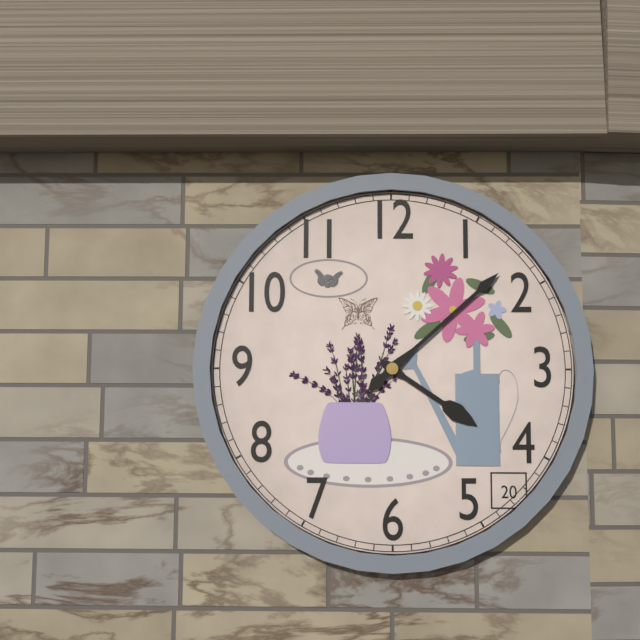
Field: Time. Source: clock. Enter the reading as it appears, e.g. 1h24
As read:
4h08
